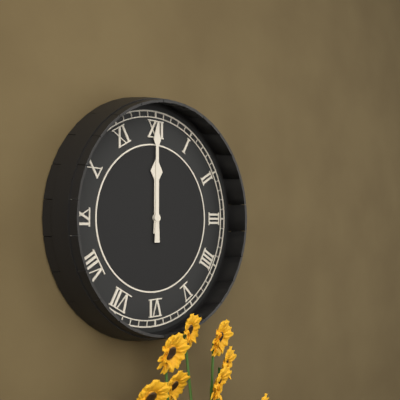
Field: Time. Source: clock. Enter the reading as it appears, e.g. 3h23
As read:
12h00
